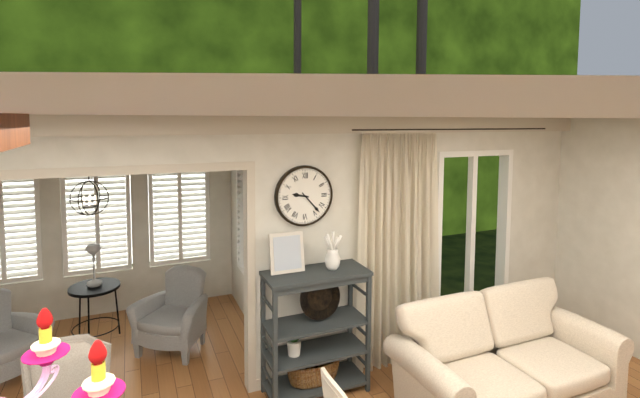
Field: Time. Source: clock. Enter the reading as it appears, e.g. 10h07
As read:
9h23
